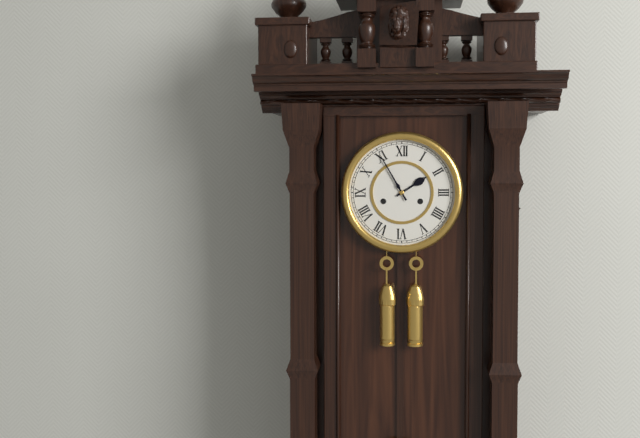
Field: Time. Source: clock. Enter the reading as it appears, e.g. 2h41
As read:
1h55
